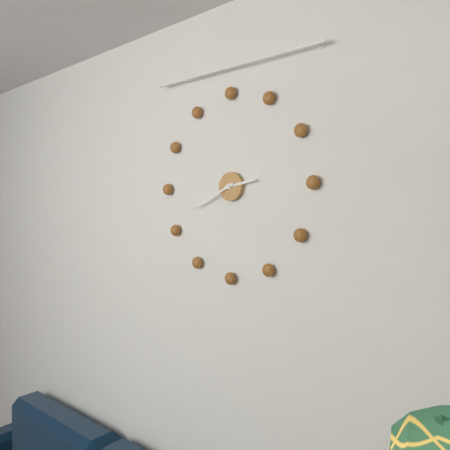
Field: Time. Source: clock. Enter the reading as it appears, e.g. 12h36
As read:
2h41
